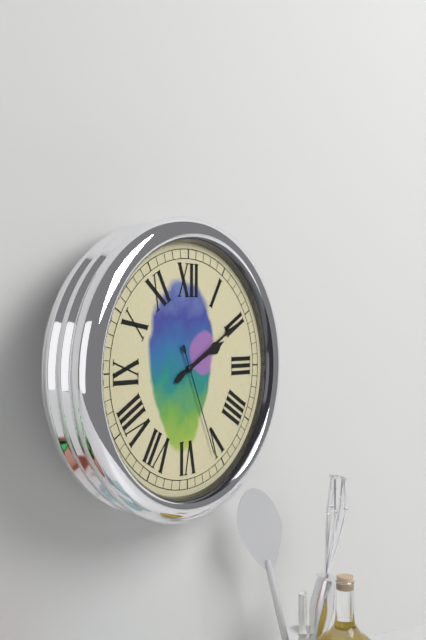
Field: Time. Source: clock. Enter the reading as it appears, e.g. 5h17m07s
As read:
2h10m26s
